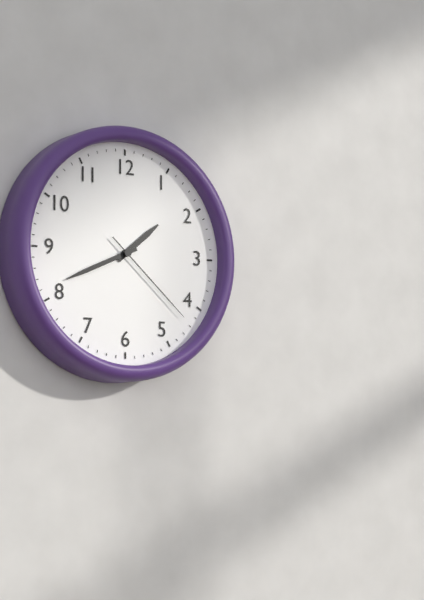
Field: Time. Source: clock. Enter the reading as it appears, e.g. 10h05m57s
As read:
1h41m22s
